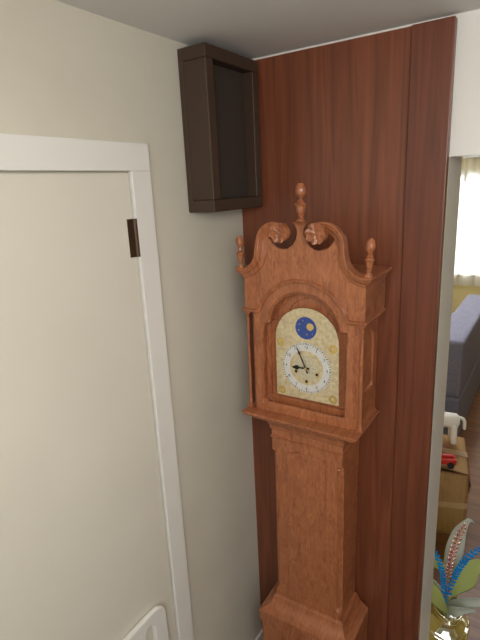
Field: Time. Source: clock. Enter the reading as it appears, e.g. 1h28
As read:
8h56
